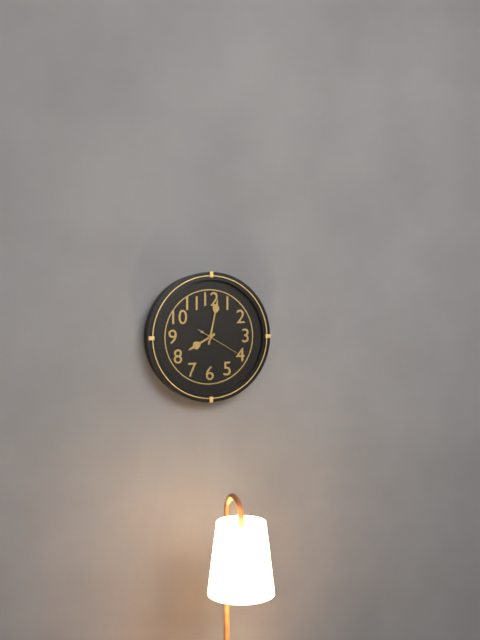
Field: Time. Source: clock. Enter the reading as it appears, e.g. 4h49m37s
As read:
8h02m20s
